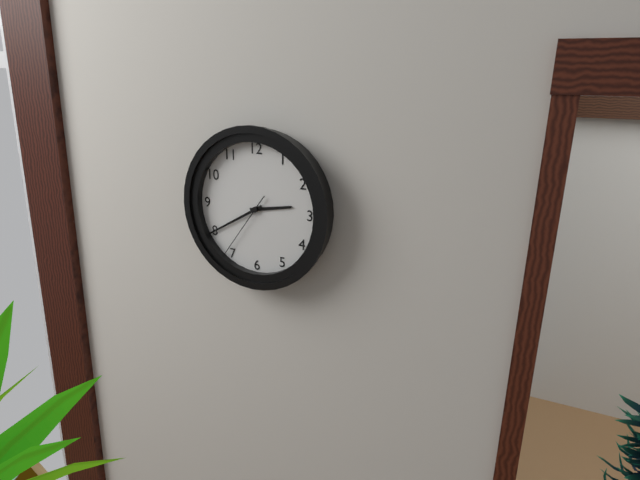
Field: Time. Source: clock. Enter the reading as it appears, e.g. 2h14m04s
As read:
2h40m36s
